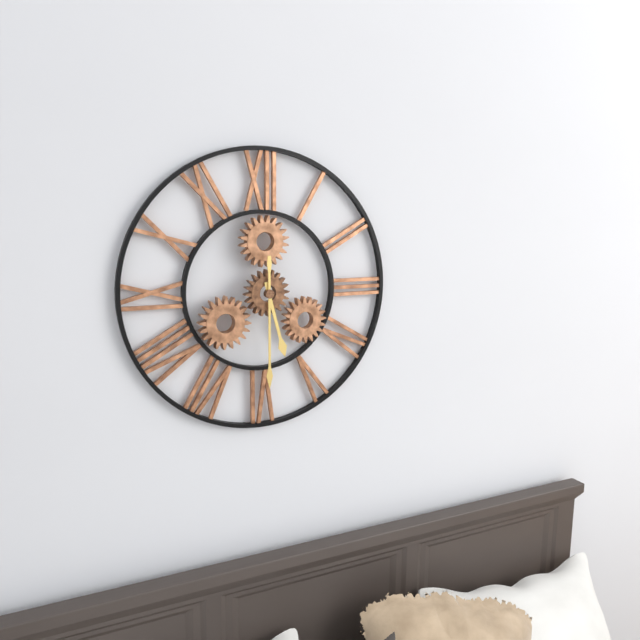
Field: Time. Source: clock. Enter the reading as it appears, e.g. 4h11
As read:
5h30
